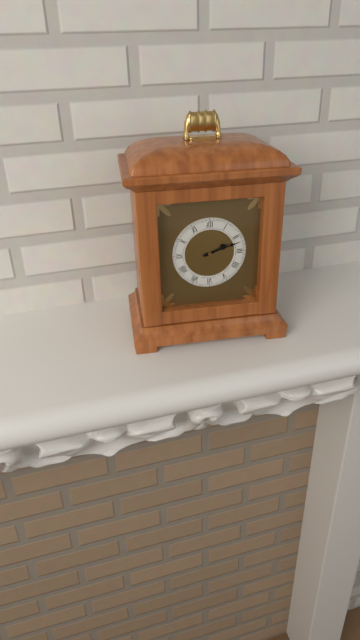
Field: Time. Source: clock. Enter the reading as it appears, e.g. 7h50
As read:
2h12
